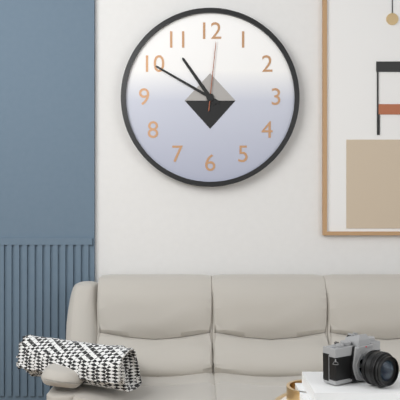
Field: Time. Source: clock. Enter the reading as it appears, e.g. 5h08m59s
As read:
10h50m01s
